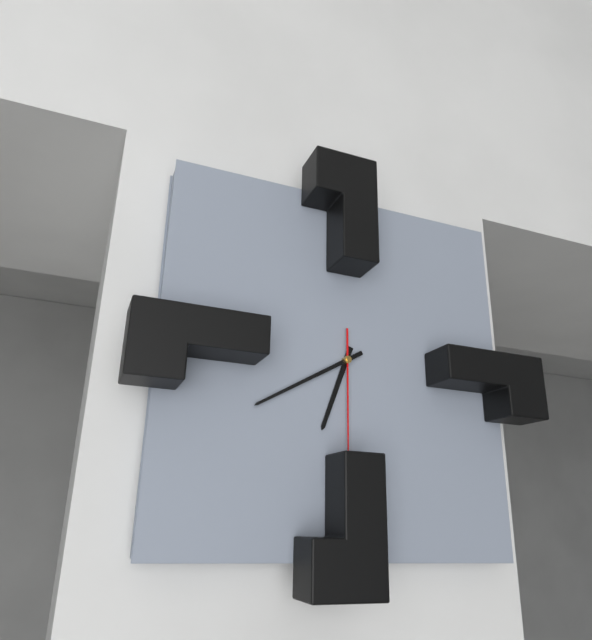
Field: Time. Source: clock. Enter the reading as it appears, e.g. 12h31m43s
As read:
6h40m30s
